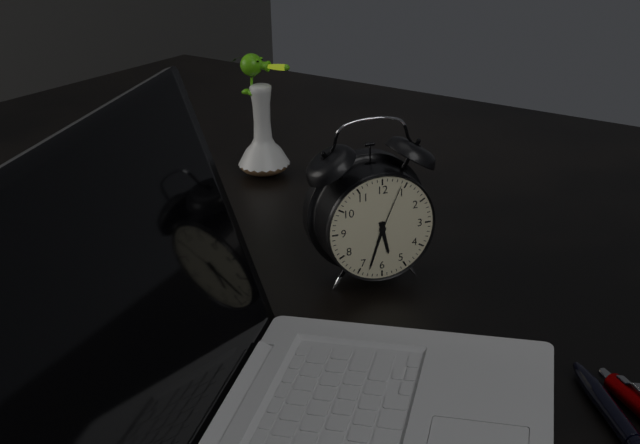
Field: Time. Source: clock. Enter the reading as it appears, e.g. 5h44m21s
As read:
5h33m04s
